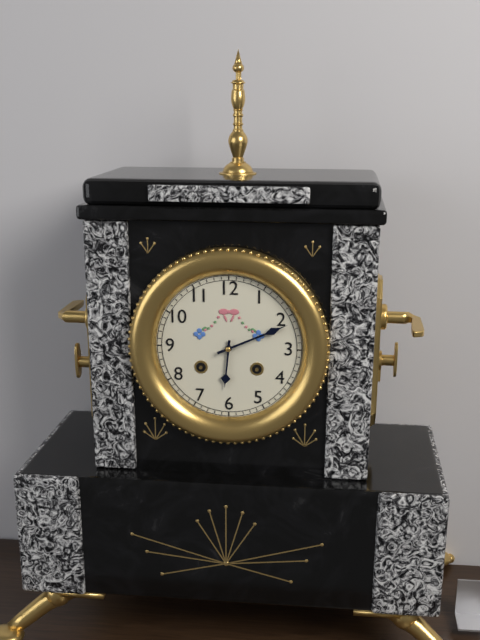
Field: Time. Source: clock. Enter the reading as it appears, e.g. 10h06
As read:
6h11
